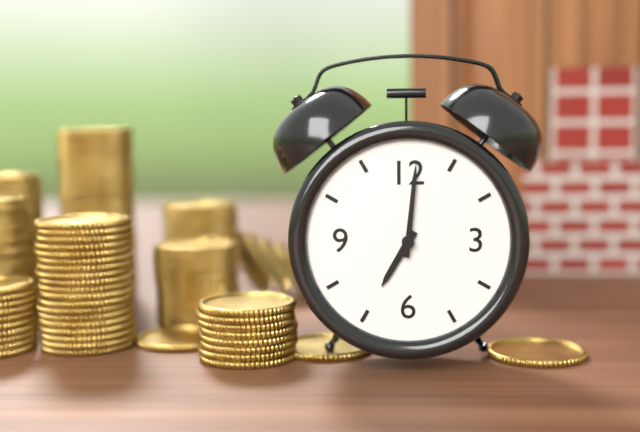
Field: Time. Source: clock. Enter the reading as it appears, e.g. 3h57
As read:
7h01
